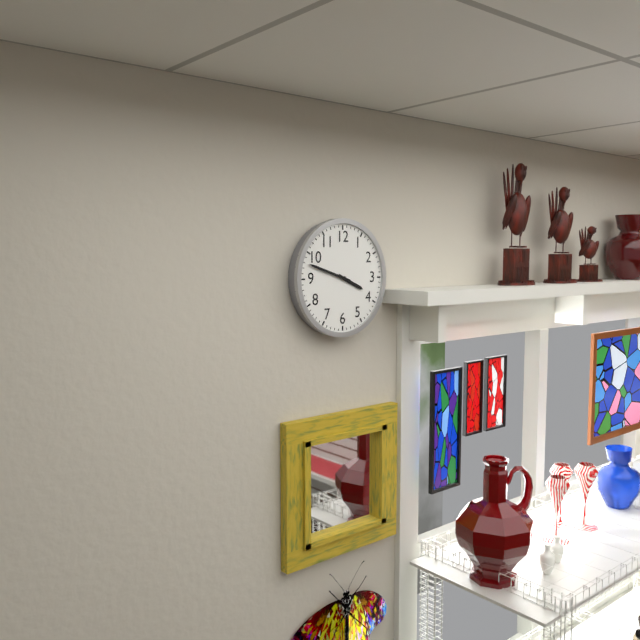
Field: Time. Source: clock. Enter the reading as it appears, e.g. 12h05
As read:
3h48
